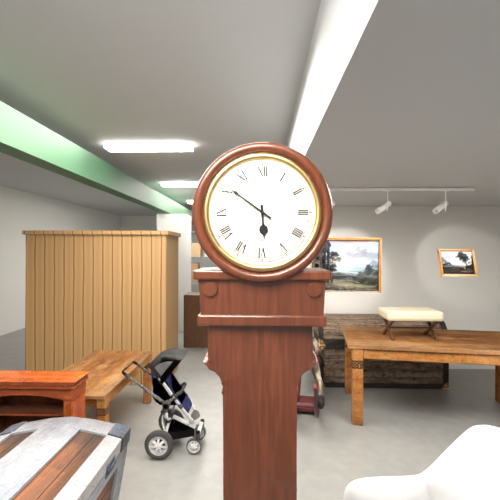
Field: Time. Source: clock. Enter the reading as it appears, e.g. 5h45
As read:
5h51
